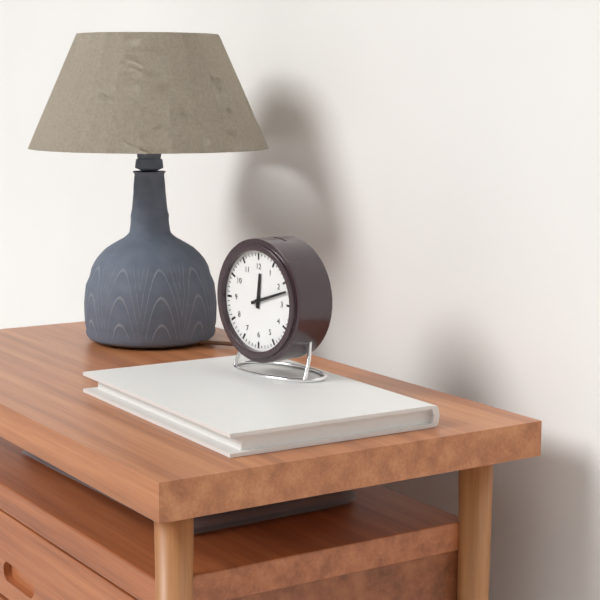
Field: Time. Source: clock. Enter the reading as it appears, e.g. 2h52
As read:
12h12
